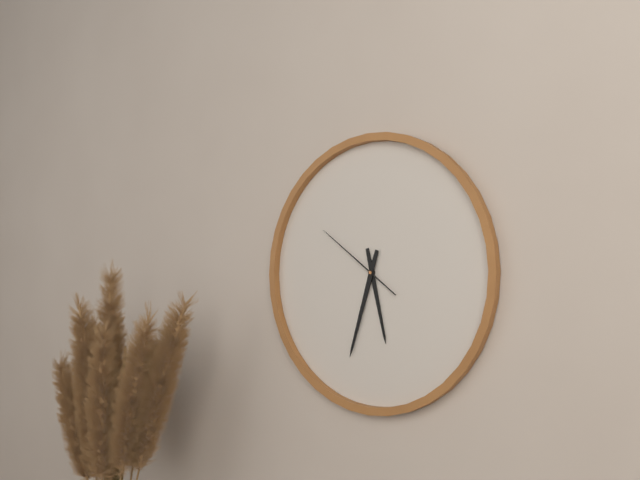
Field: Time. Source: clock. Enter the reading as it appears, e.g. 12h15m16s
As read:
5h33m51s
